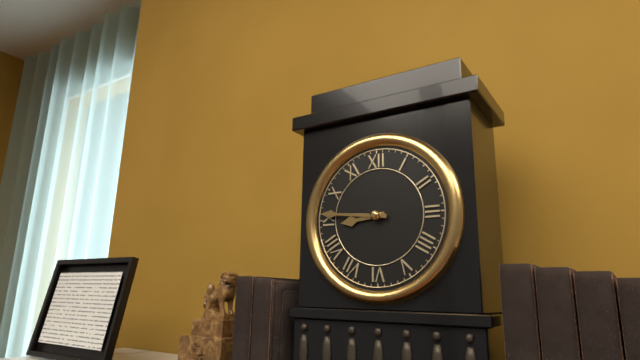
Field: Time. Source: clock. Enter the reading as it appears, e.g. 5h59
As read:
8h46
